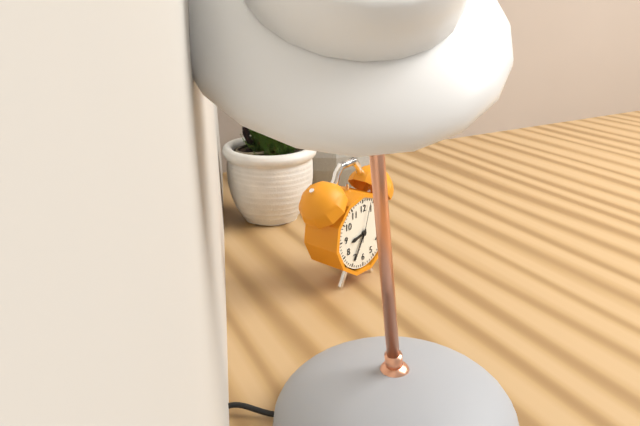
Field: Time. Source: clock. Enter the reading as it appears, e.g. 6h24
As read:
8h35
